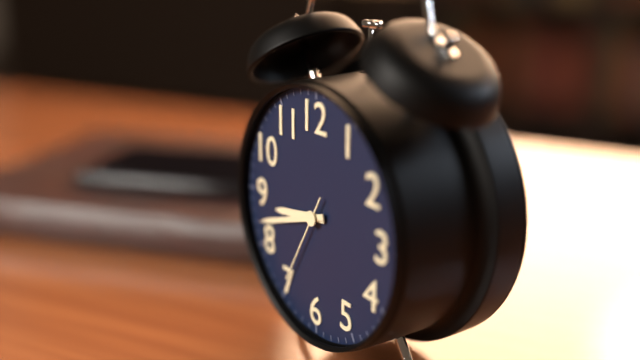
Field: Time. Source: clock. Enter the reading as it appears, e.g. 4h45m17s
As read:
8h42m35s
